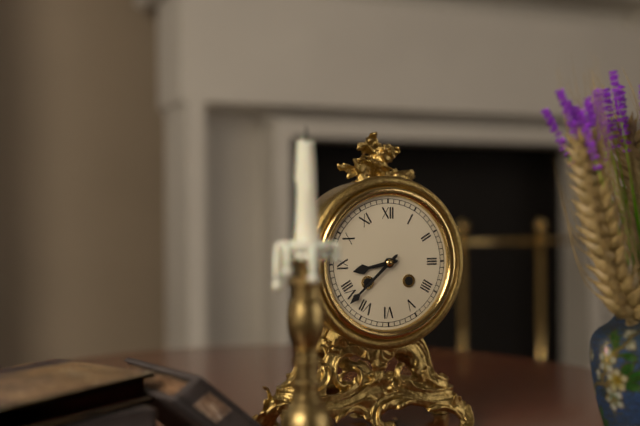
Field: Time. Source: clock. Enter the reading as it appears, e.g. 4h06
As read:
8h38
